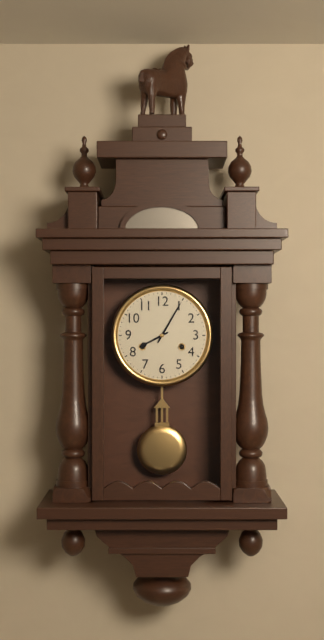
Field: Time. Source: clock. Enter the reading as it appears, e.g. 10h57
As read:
8h05
